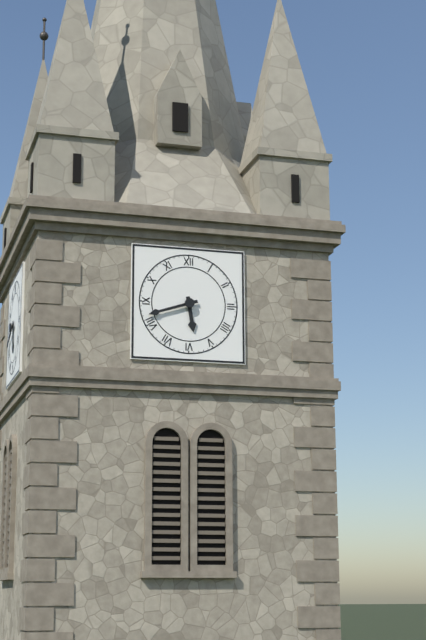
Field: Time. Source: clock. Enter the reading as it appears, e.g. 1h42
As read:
5h42
